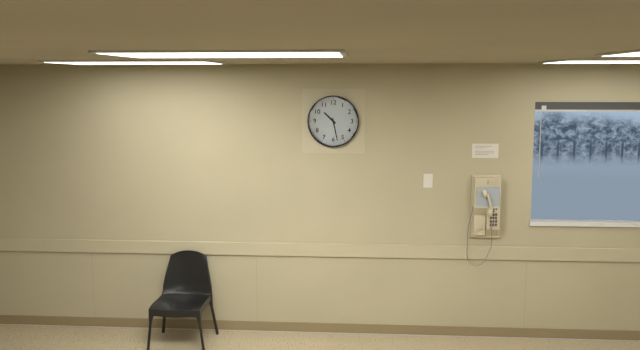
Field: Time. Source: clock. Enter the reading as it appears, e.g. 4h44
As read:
10h28
